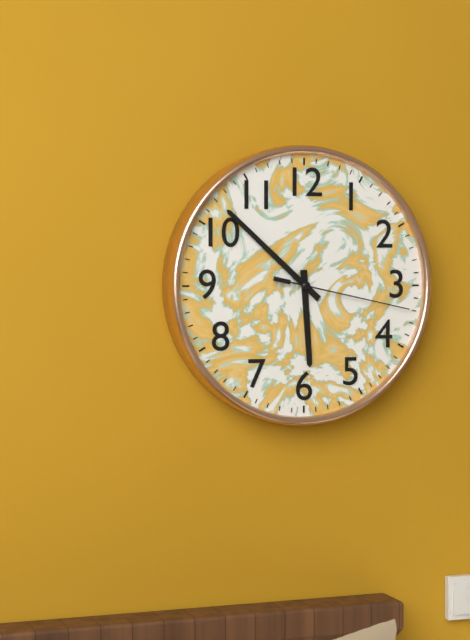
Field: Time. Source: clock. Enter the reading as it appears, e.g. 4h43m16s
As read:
5h52m17s
